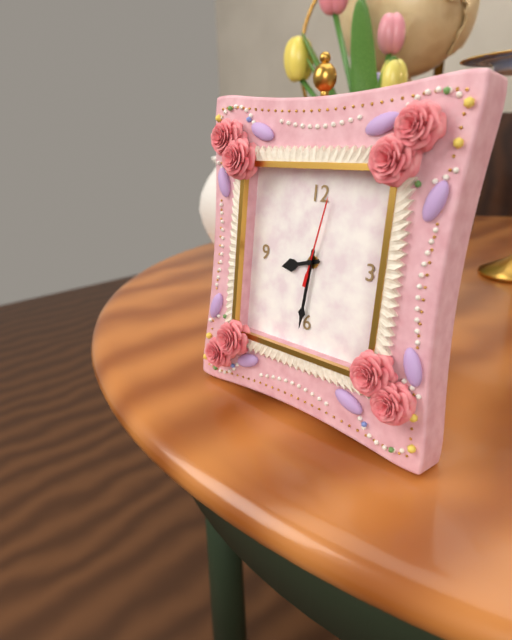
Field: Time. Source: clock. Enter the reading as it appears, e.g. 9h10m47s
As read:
8h31m02s
